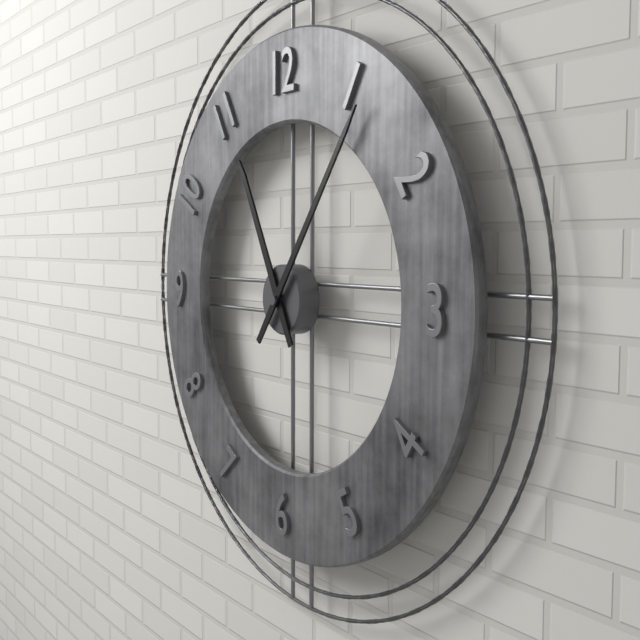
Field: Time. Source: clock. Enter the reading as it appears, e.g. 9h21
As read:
11h06
